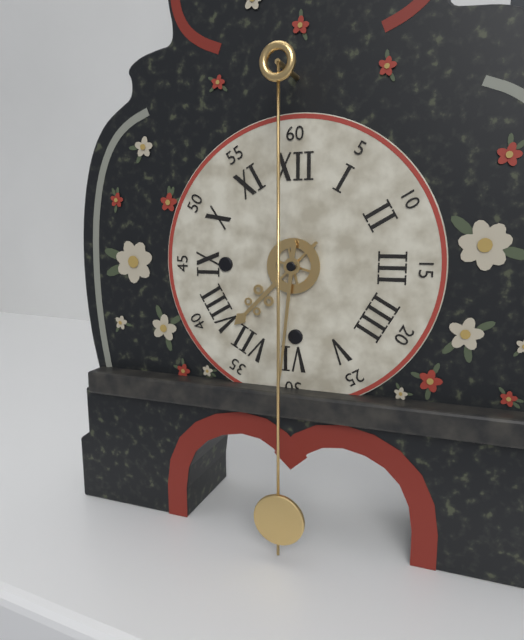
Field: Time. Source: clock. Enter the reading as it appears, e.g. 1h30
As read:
7h31
